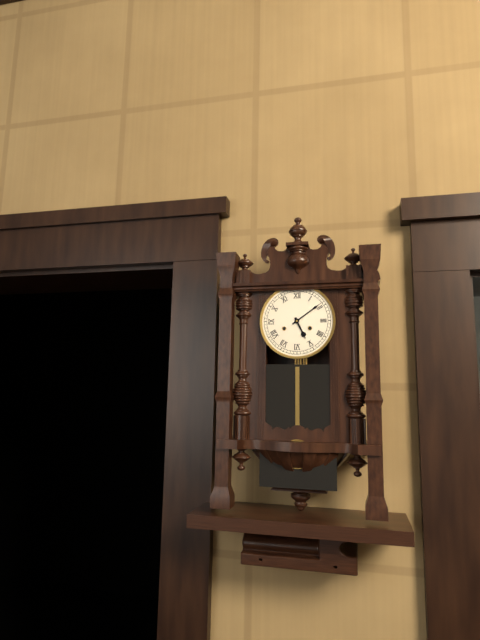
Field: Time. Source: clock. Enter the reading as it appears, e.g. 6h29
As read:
5h09
